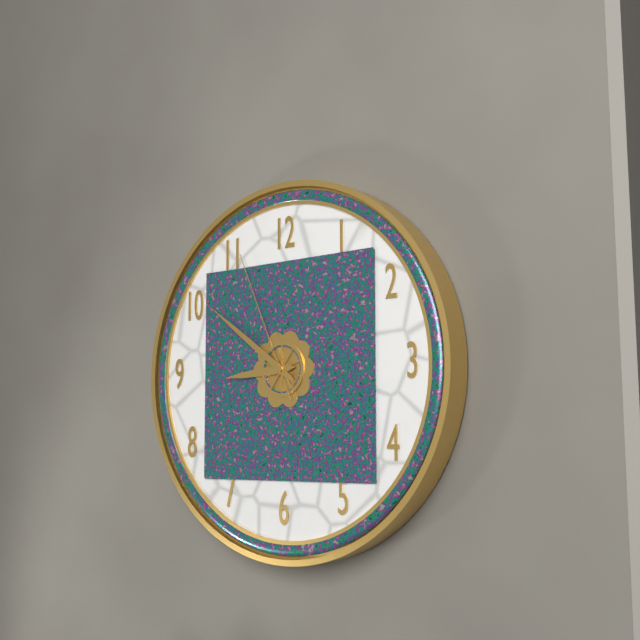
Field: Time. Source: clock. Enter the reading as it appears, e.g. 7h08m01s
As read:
8h51m56s
